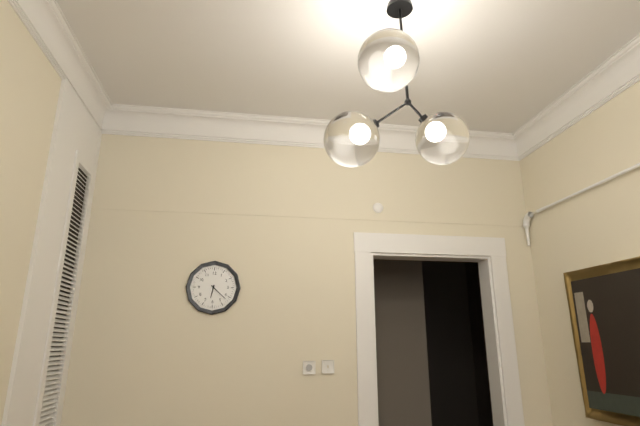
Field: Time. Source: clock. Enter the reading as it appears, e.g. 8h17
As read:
6h22
